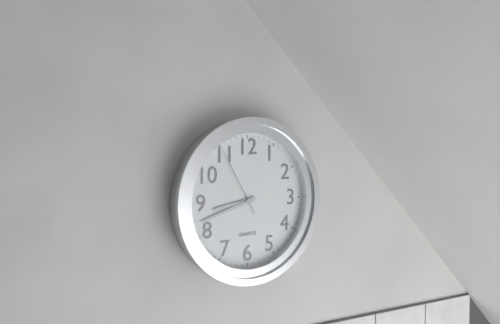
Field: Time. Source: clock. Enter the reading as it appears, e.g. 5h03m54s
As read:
8h42m55s
